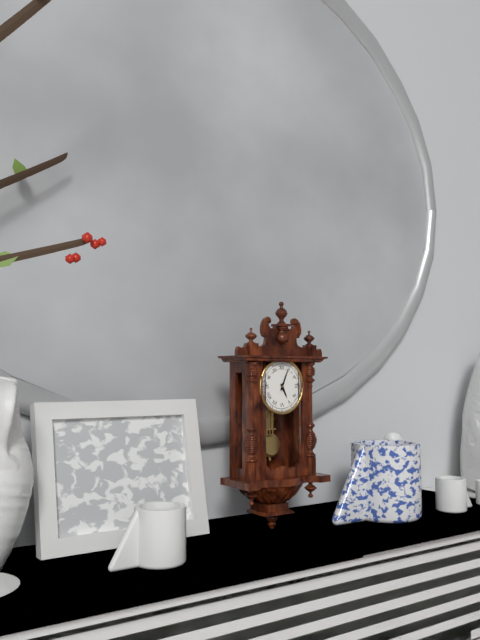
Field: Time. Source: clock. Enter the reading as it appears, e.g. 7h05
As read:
5h04
